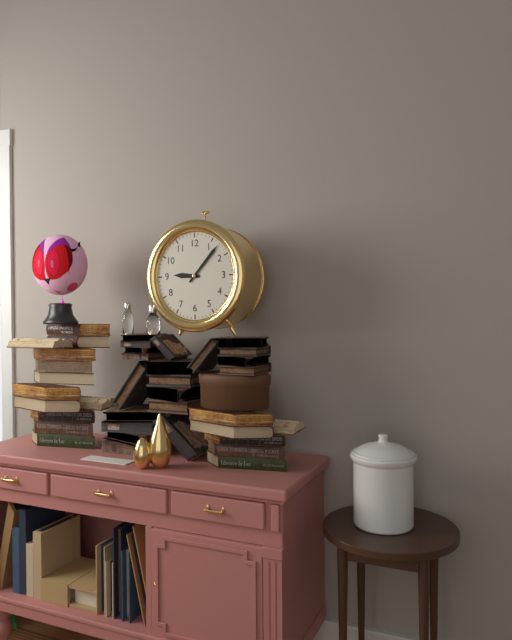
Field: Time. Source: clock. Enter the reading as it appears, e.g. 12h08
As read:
9h07
